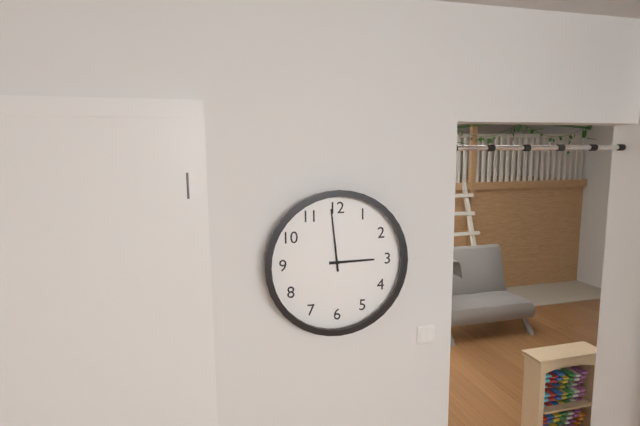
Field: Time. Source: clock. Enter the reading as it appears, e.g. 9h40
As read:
2h59
